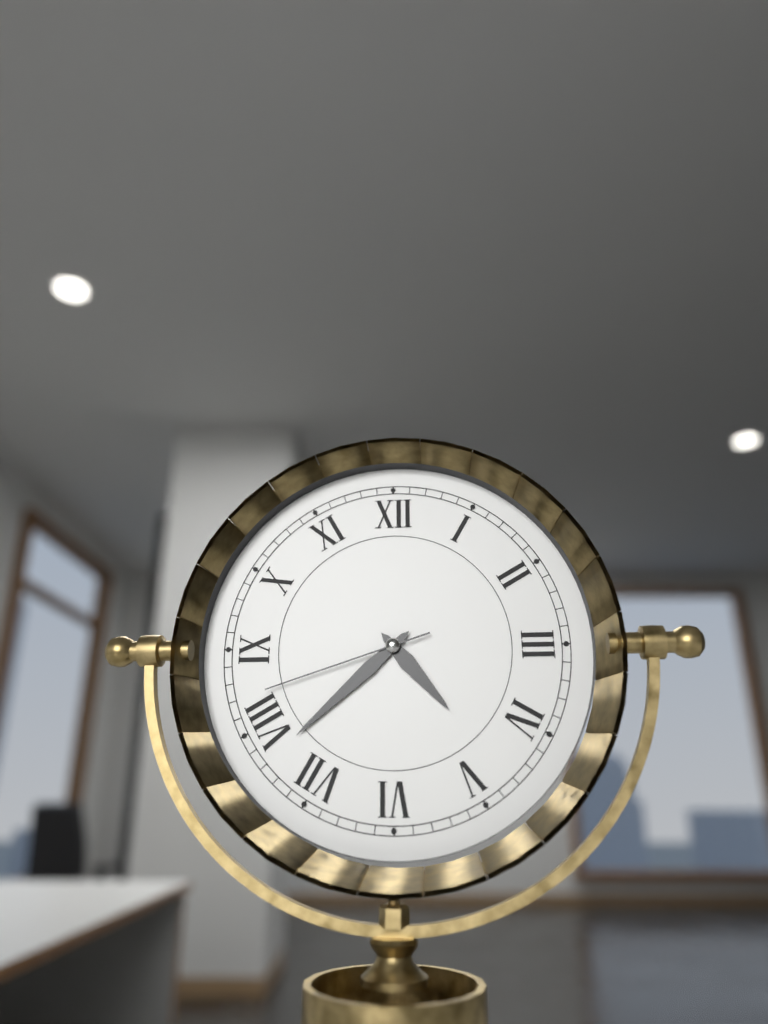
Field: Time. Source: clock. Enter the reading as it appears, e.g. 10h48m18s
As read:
4h38m42s
